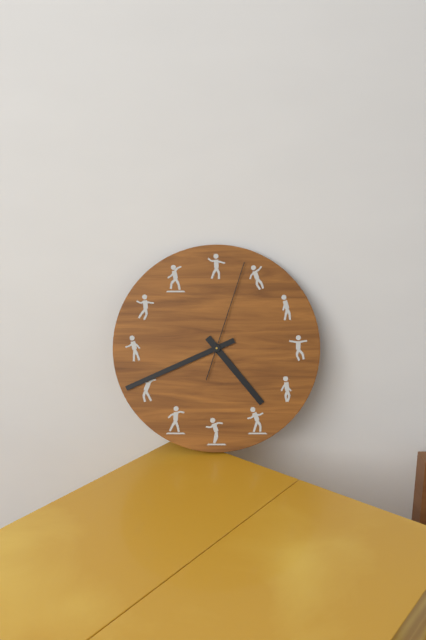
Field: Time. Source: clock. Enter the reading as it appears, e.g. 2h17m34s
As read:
4h41m03s
